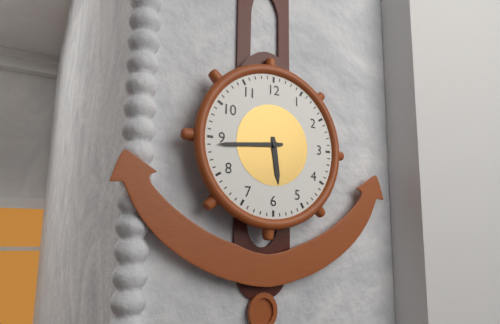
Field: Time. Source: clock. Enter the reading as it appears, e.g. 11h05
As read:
5h44
